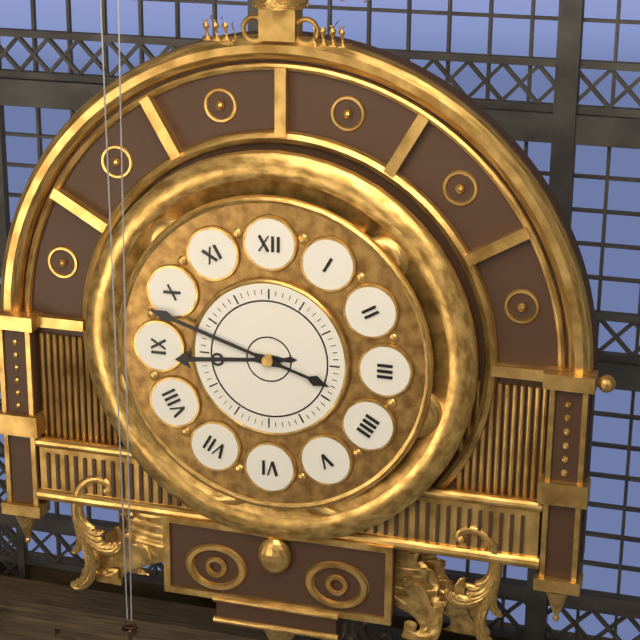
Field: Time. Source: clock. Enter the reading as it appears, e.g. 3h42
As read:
8h48
